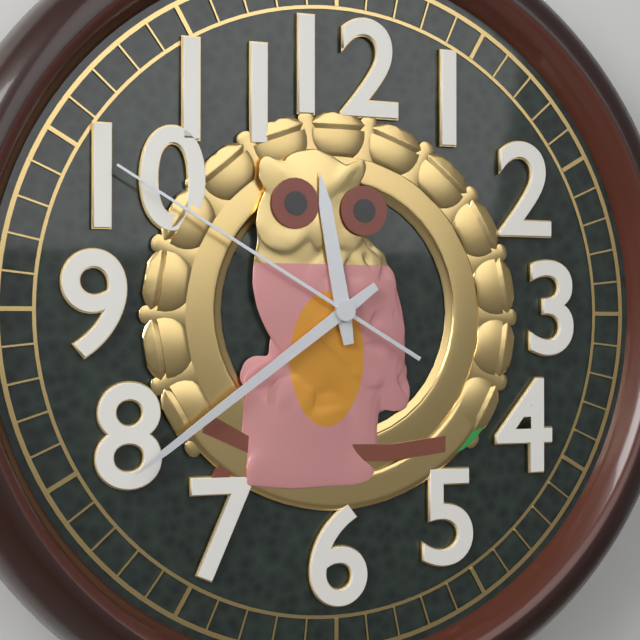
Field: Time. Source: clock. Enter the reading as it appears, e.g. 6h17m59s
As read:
11h39m50s
